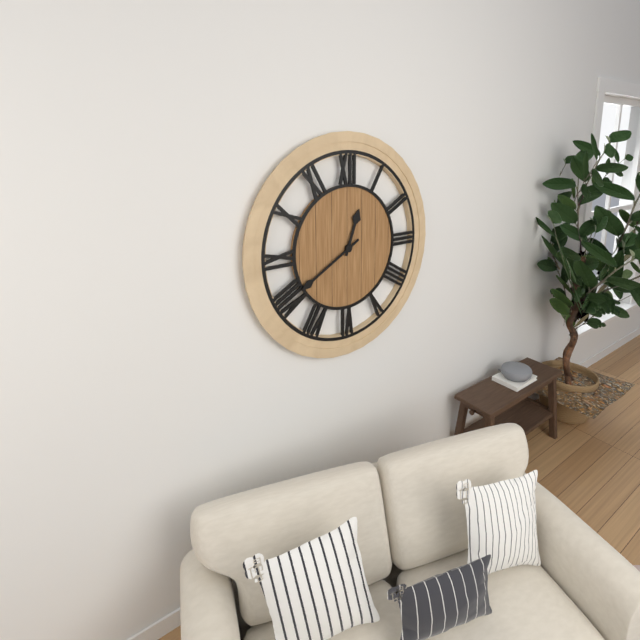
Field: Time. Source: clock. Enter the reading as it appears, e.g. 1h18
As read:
12h40
